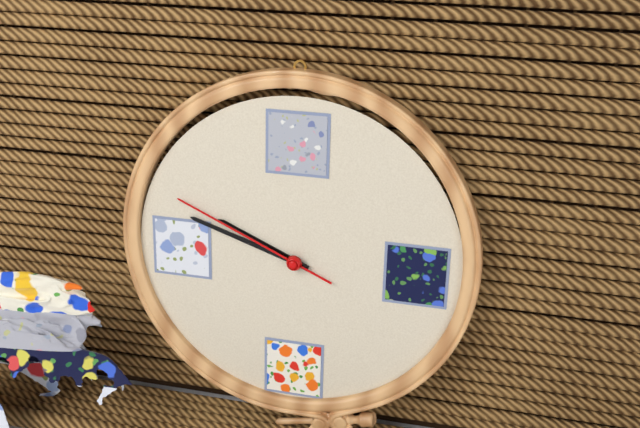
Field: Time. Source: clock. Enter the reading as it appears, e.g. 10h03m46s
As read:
9h48m49s
